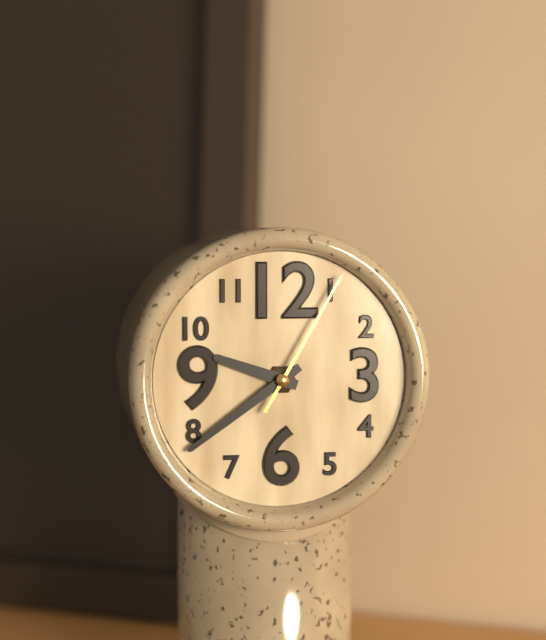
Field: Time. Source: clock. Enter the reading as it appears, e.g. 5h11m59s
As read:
9h39m05s
